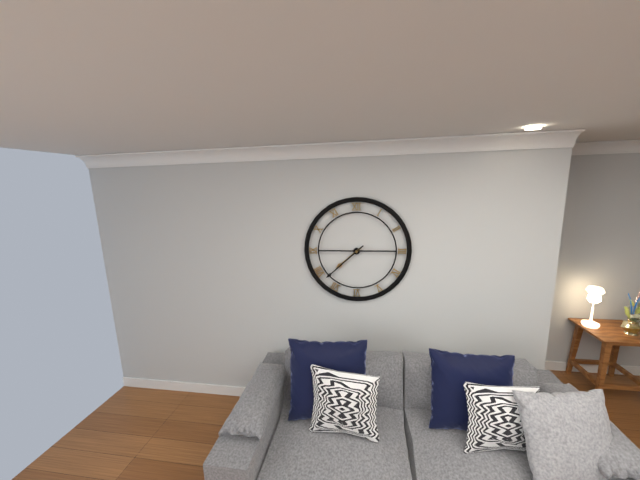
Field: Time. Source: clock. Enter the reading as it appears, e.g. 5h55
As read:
7h38
